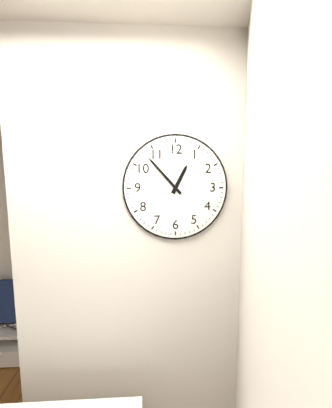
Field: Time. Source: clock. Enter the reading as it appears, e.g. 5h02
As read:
12h53
